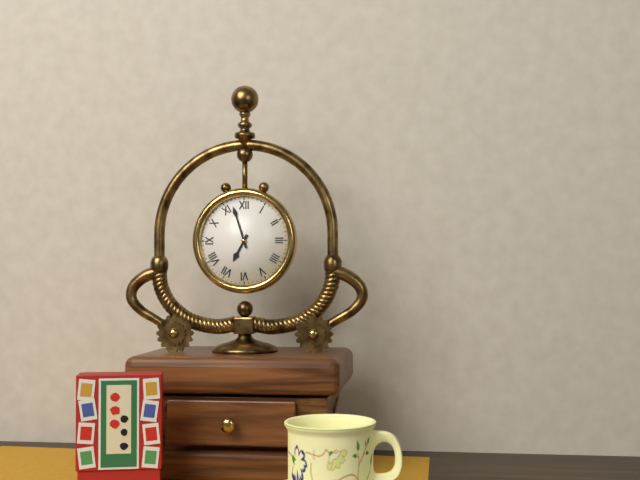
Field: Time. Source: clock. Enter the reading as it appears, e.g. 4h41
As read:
6h57
